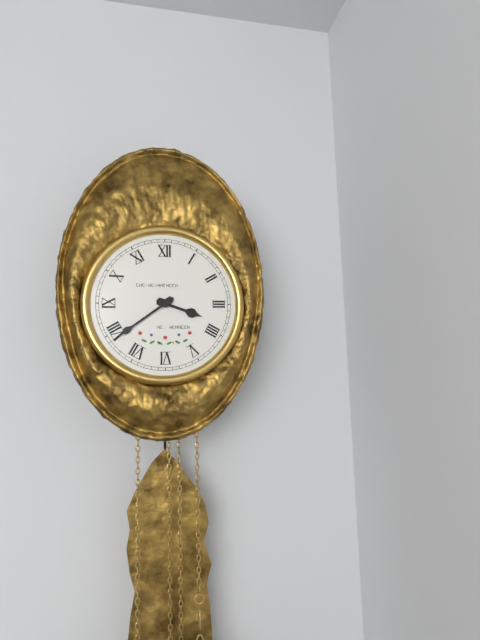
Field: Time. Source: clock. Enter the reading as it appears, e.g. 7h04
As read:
3h39
